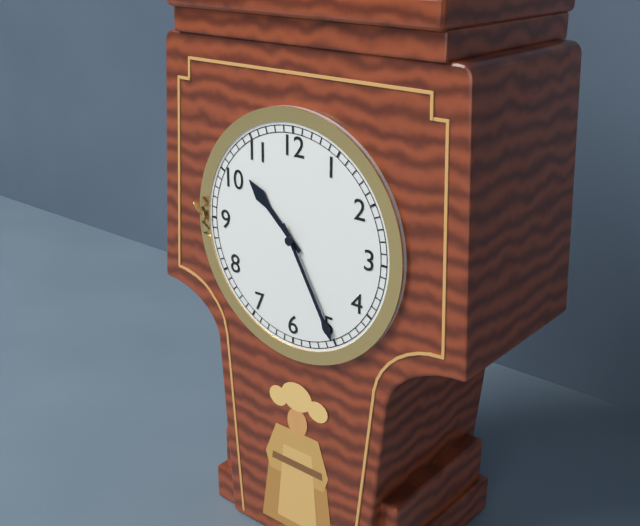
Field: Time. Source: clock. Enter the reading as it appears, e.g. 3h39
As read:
10h25
